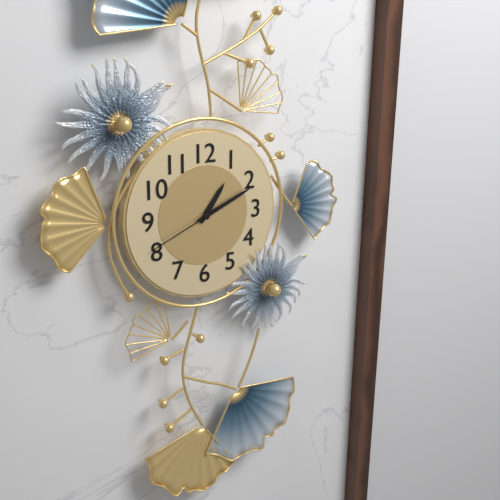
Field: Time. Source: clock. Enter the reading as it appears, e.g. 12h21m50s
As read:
1h11m41s
